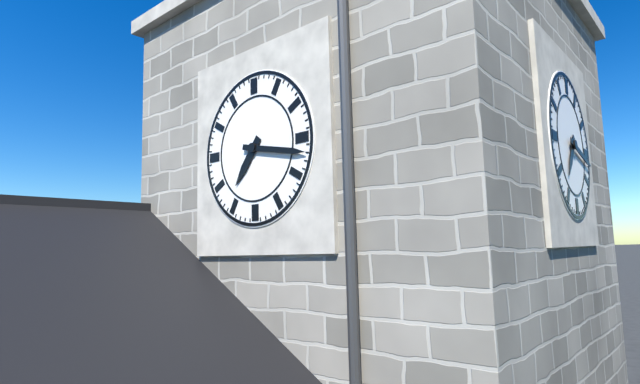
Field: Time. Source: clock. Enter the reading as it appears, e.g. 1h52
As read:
7h17
